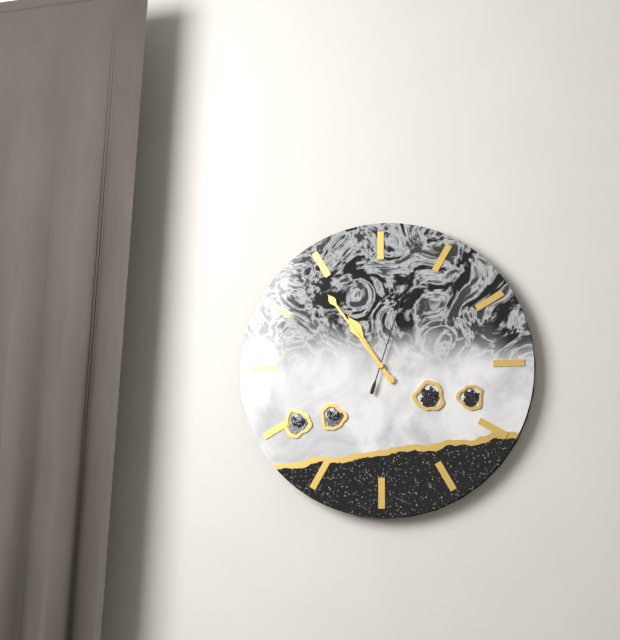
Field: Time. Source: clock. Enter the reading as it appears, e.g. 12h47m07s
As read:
10h54m03s
